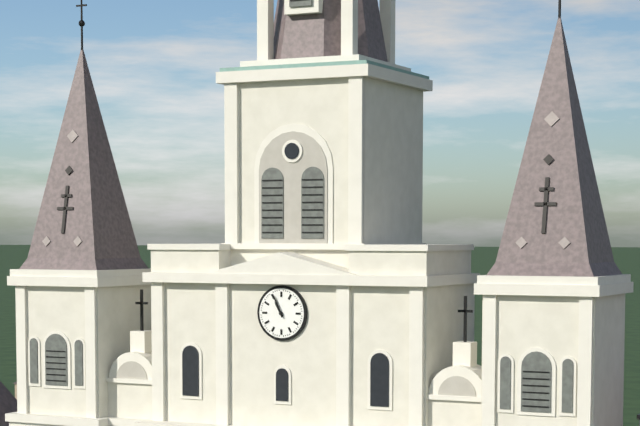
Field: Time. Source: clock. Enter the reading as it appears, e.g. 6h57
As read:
10h56
